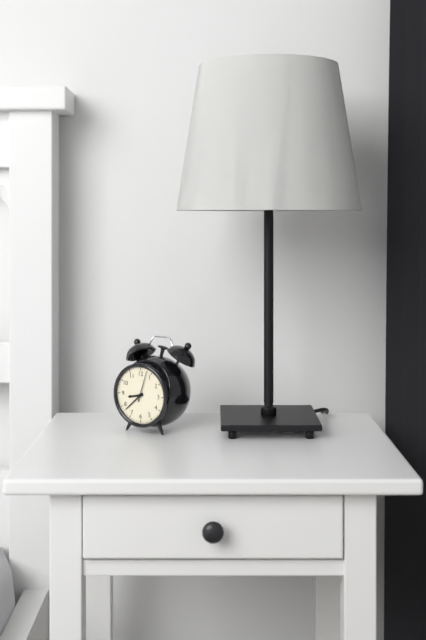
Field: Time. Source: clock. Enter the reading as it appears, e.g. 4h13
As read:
8h38
